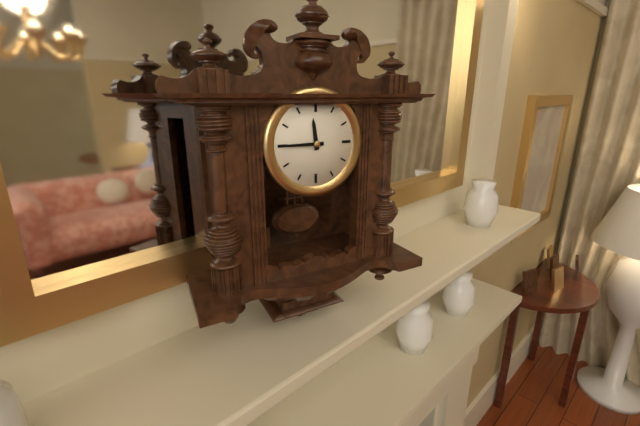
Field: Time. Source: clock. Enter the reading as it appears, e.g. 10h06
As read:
11h45
